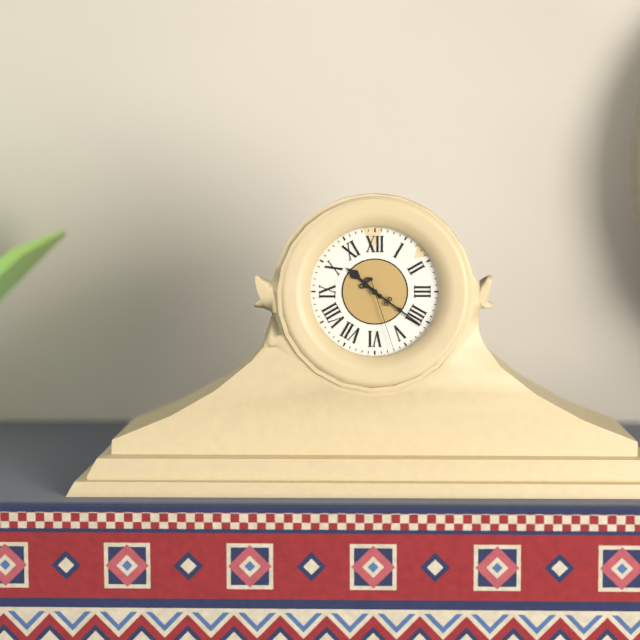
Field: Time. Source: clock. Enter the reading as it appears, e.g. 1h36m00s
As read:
10h21m27s
